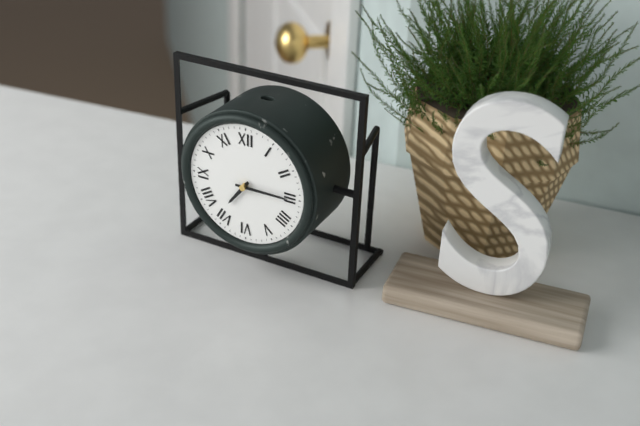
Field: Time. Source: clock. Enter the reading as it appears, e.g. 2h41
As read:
7h15
